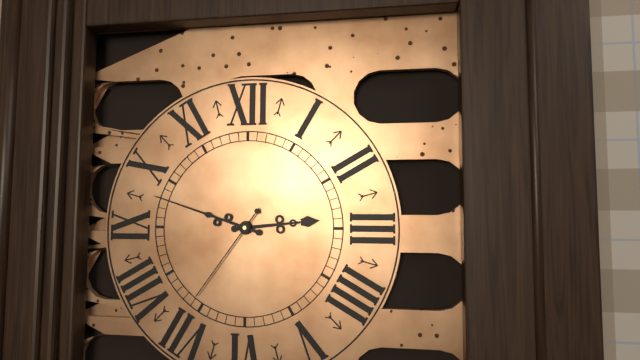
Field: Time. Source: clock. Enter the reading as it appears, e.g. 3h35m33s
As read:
2h48m36s
